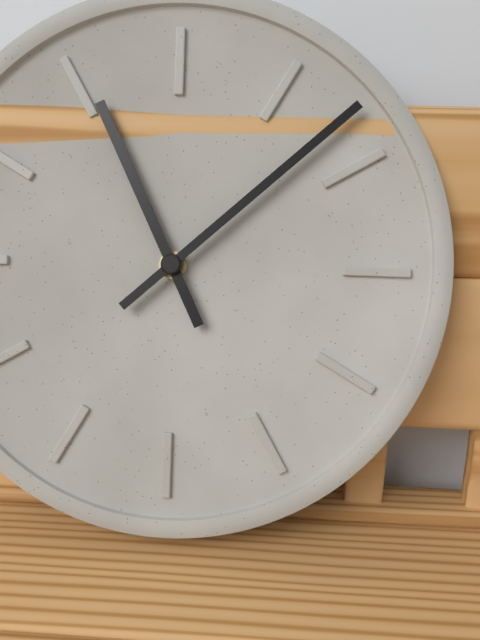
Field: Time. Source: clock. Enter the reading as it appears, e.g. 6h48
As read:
11h08
